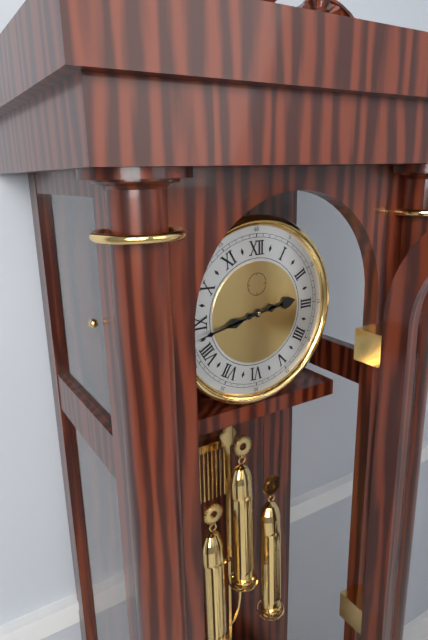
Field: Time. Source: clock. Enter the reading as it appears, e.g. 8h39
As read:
2h43
